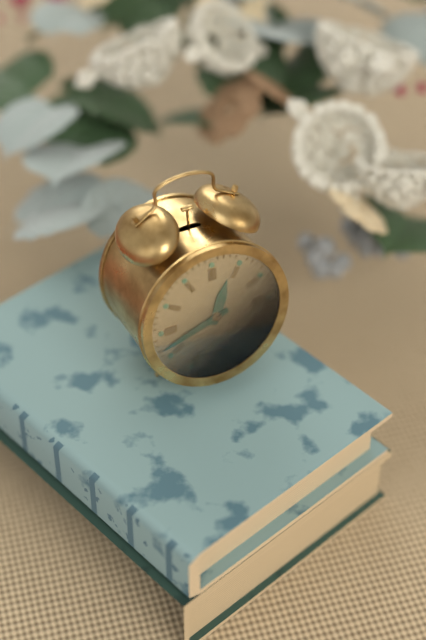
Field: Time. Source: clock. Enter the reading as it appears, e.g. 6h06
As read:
12h42
